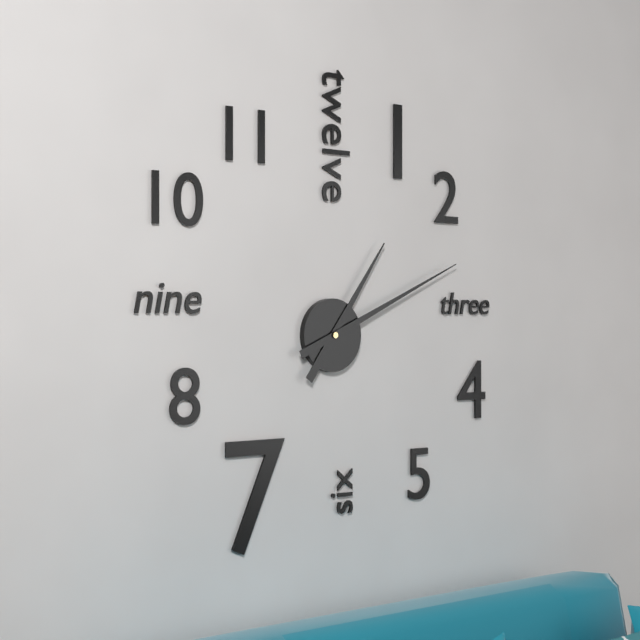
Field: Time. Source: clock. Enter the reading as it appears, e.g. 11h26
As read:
1h11
